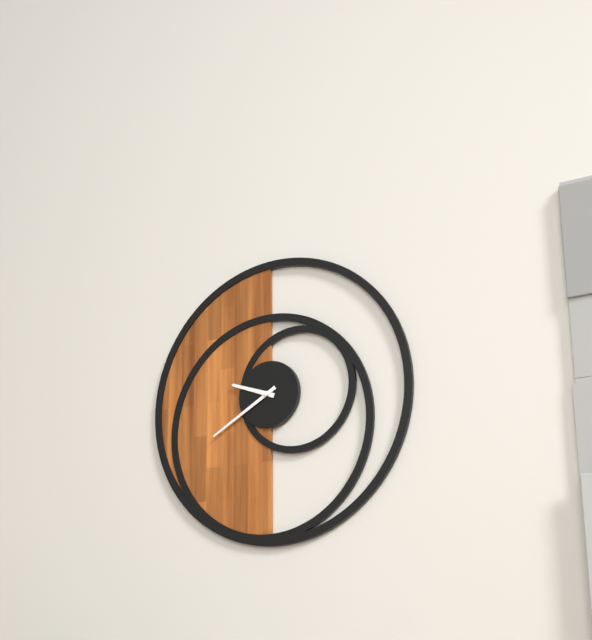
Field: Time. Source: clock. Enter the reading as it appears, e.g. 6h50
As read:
9h40
